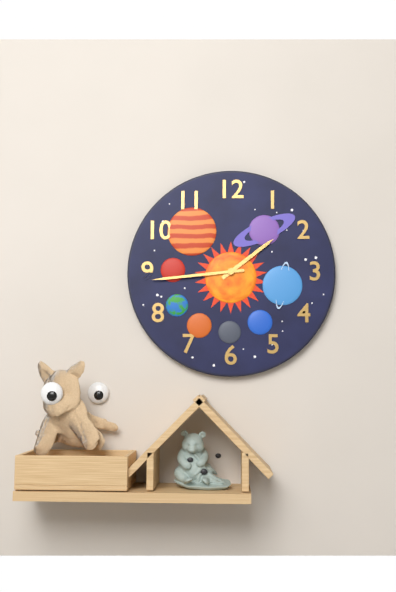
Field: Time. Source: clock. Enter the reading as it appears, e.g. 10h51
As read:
1h44
